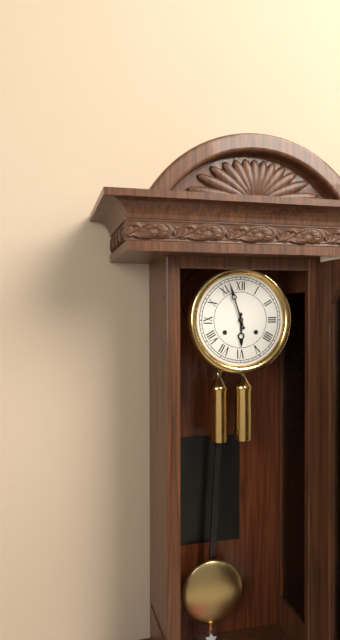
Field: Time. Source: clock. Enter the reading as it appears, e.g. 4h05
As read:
5h57
